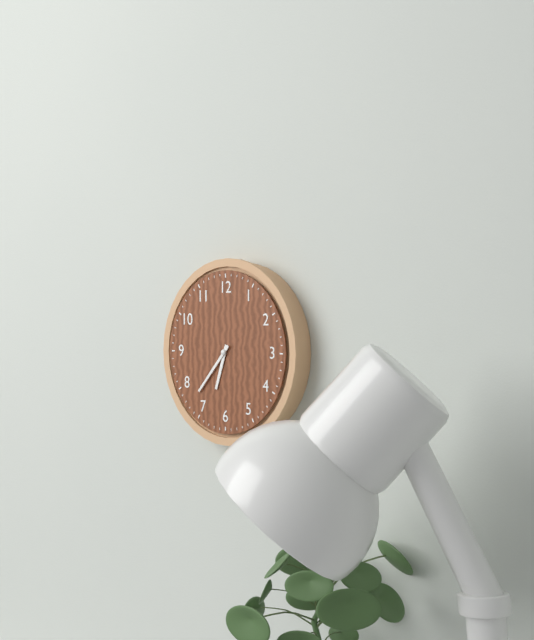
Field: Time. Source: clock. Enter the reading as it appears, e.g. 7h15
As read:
6h37
